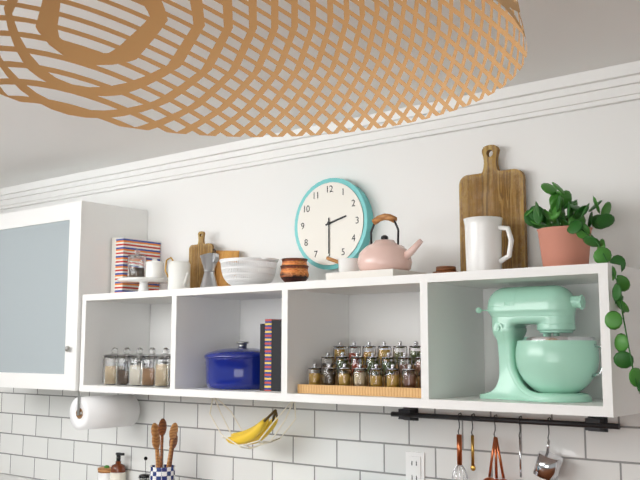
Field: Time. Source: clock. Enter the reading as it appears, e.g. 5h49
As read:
2h30
